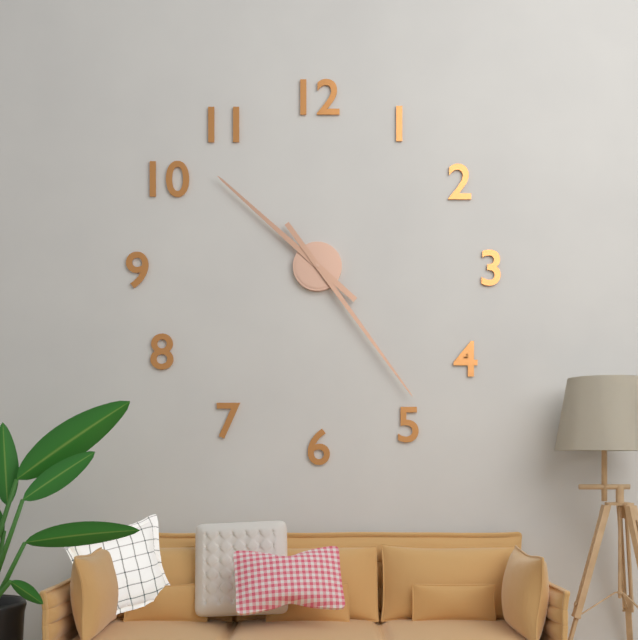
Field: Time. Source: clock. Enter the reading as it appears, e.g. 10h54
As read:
10h24
